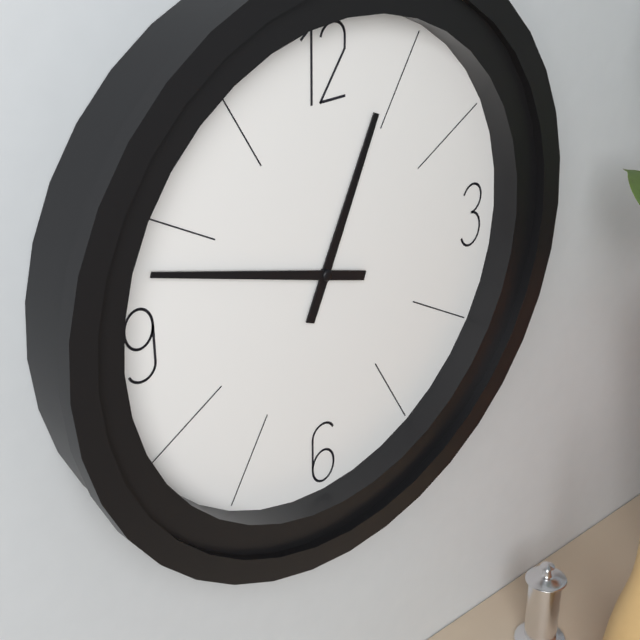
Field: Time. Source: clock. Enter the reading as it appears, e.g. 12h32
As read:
12h48
